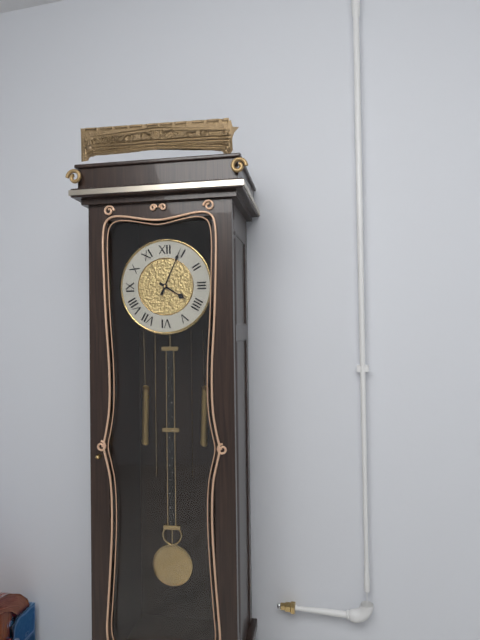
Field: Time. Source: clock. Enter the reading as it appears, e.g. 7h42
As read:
4h04
